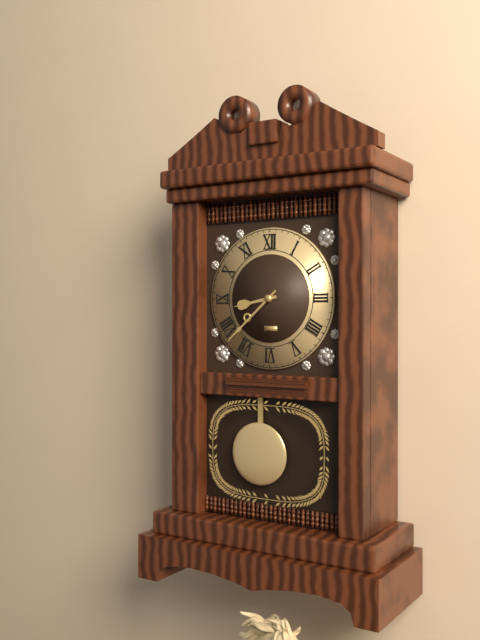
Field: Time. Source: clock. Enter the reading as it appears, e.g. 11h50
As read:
8h38
